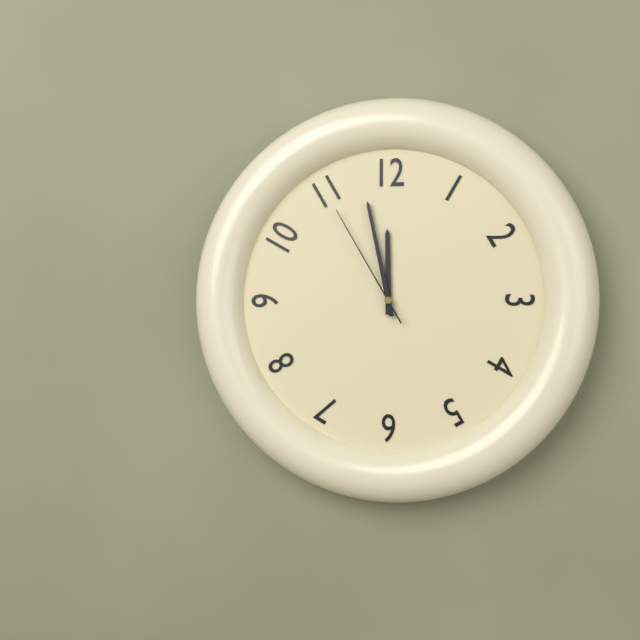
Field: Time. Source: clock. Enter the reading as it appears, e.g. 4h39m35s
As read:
11h58m55s
